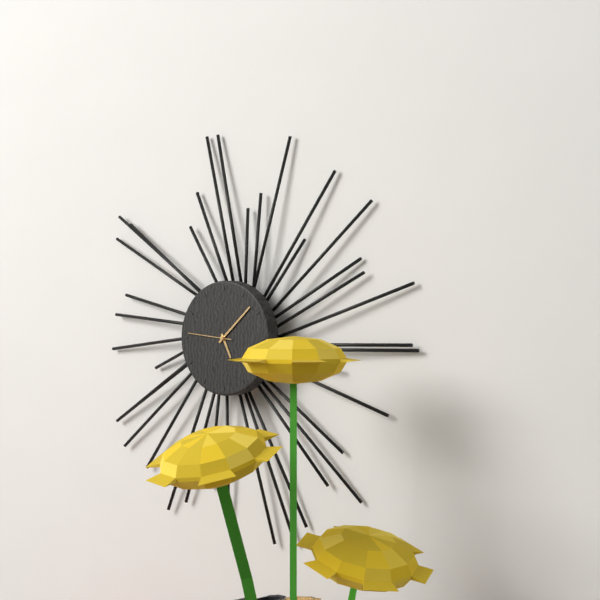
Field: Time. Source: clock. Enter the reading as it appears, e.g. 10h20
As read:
5h08
